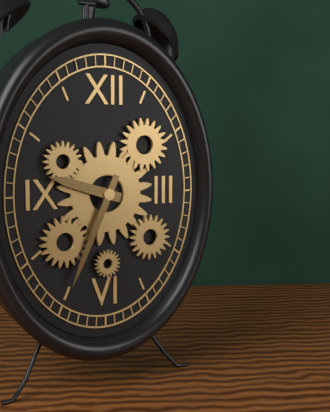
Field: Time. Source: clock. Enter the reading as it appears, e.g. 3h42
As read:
9h34
